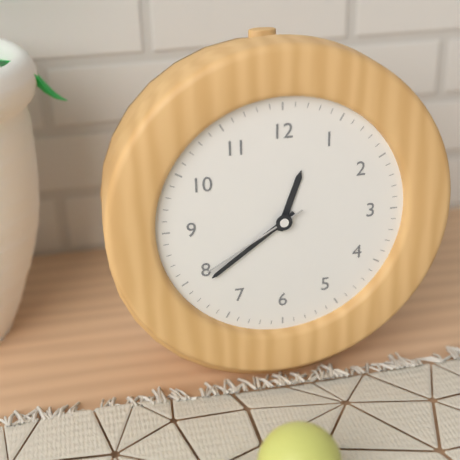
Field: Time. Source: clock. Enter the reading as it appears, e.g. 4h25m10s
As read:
12h39m40s
